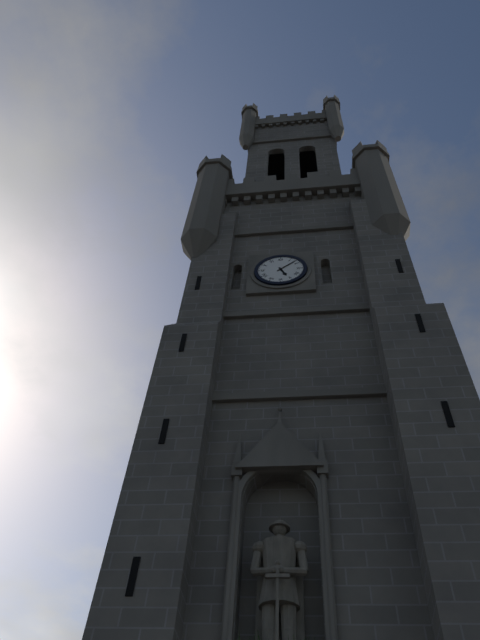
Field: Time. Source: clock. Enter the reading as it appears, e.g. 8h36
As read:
5h08
